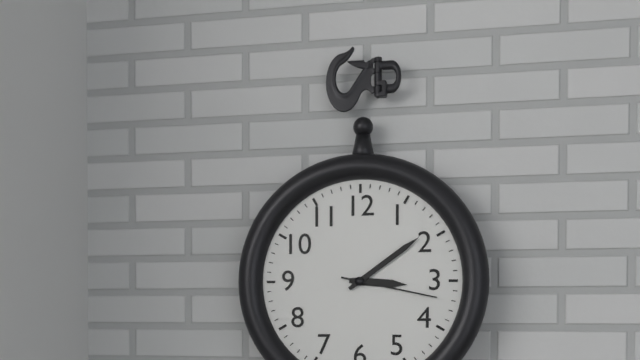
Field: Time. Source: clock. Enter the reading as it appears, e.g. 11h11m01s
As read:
3h09m17s
